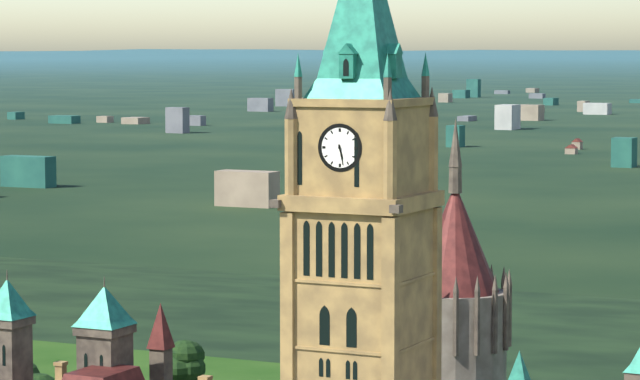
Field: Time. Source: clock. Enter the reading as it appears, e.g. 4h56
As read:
5h28
